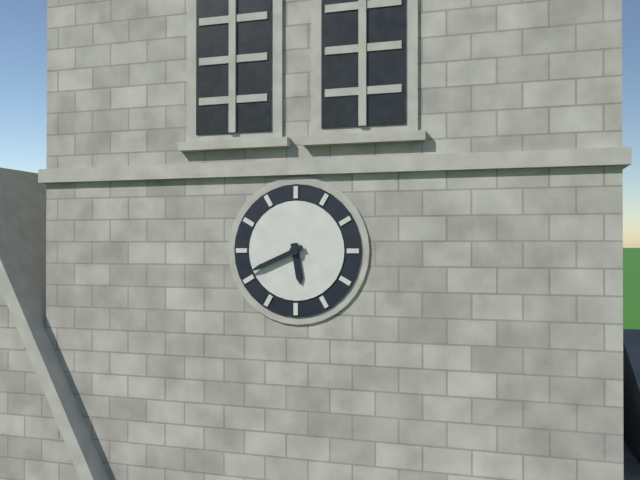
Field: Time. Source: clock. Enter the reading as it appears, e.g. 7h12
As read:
5h41
